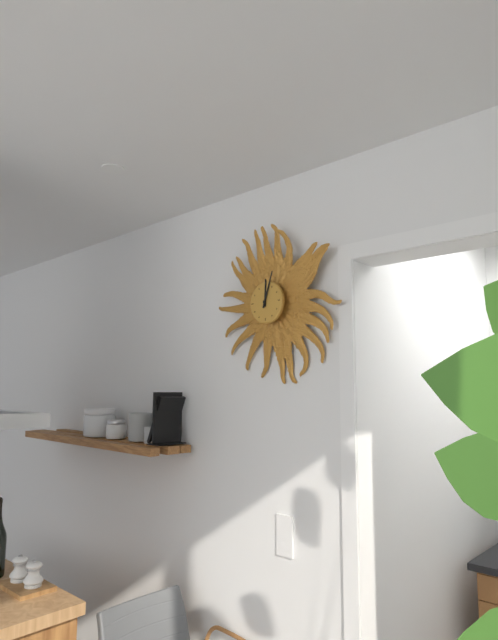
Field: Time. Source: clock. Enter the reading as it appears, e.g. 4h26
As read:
12h03
